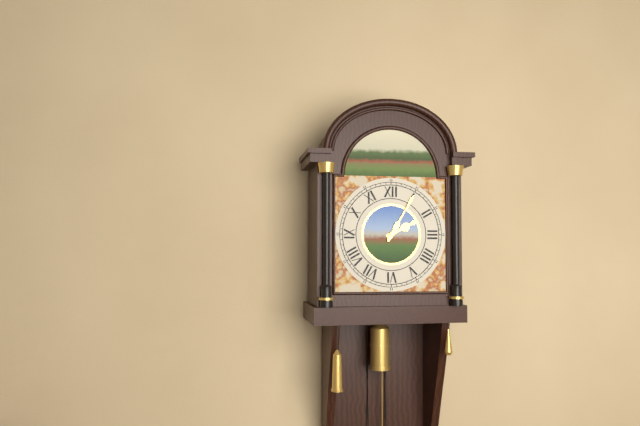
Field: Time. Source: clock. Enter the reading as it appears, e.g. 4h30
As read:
2h05
